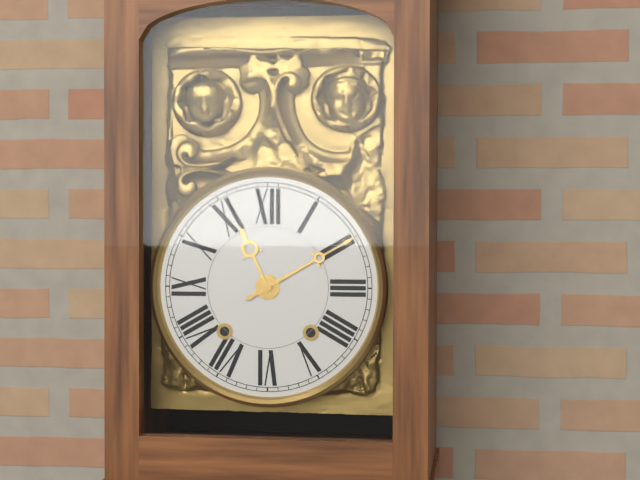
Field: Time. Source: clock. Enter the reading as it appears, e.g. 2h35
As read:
11h10
